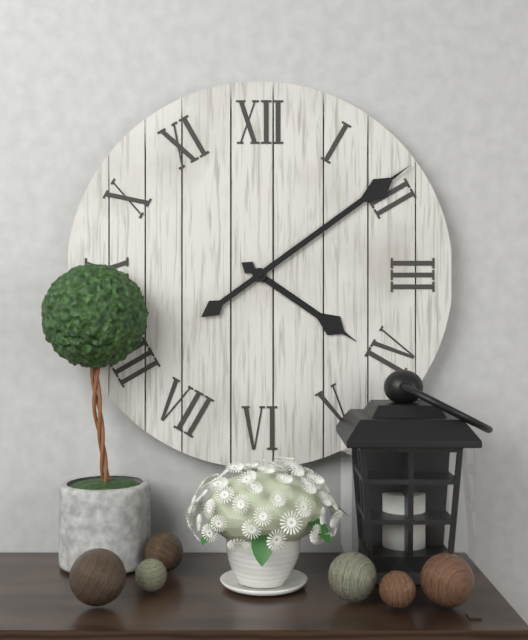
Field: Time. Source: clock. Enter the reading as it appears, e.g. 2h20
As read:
4h09
